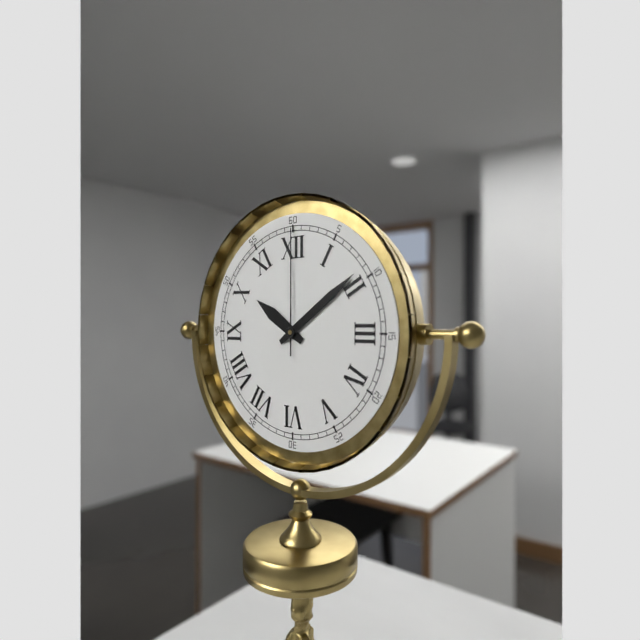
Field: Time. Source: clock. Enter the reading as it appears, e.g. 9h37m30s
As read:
10h09m00s
